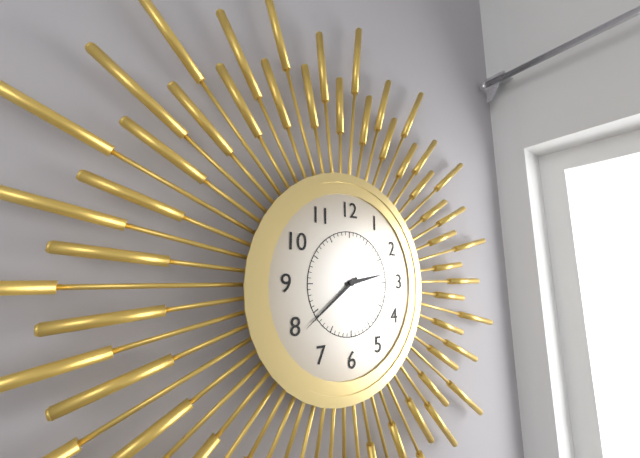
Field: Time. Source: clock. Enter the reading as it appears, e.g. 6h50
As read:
2h39
